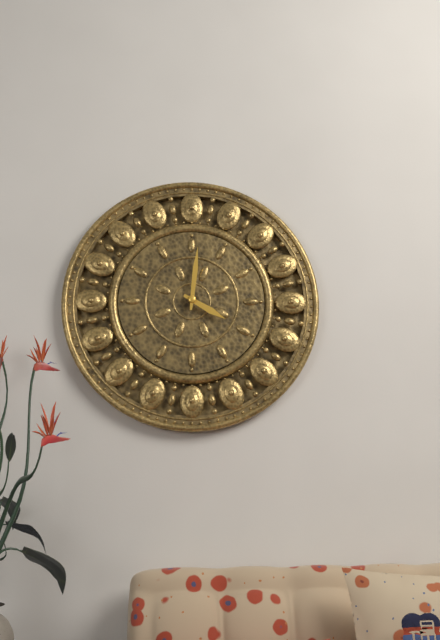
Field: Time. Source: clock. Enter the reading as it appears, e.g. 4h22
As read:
4h01
